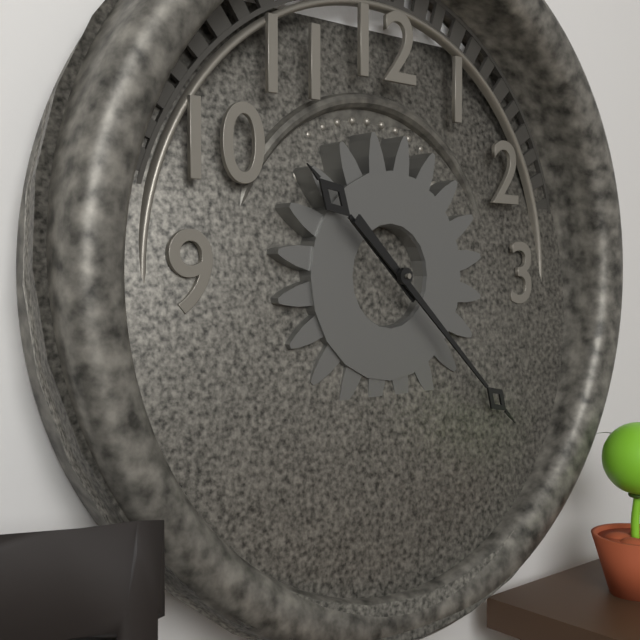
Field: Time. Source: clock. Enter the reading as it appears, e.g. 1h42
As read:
10h22
